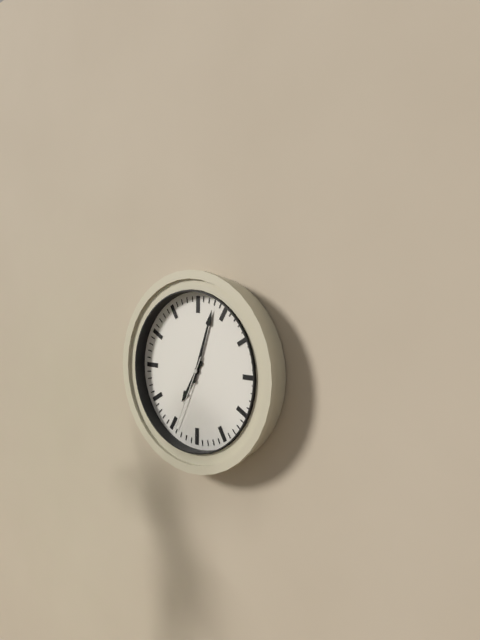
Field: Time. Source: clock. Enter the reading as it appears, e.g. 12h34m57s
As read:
7h03m34s
